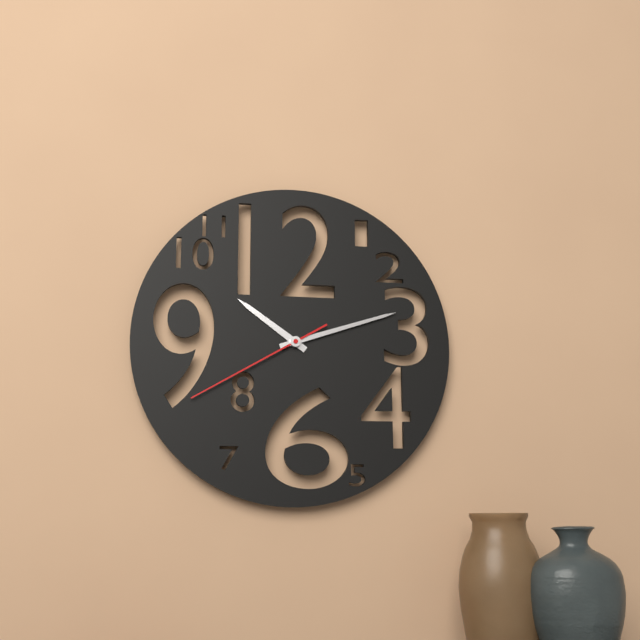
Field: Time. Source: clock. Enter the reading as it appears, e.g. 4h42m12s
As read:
10h12m40s
